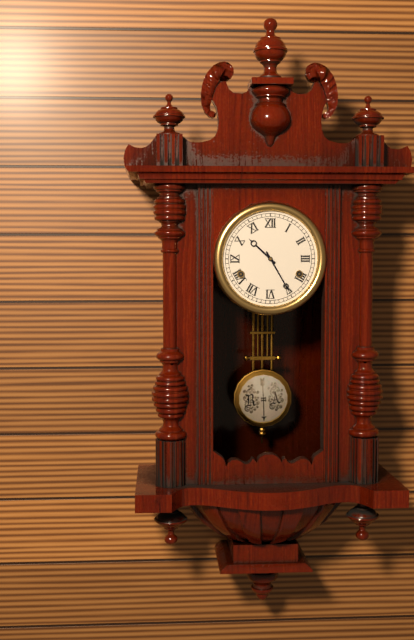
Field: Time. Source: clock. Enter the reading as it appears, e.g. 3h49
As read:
10h25
